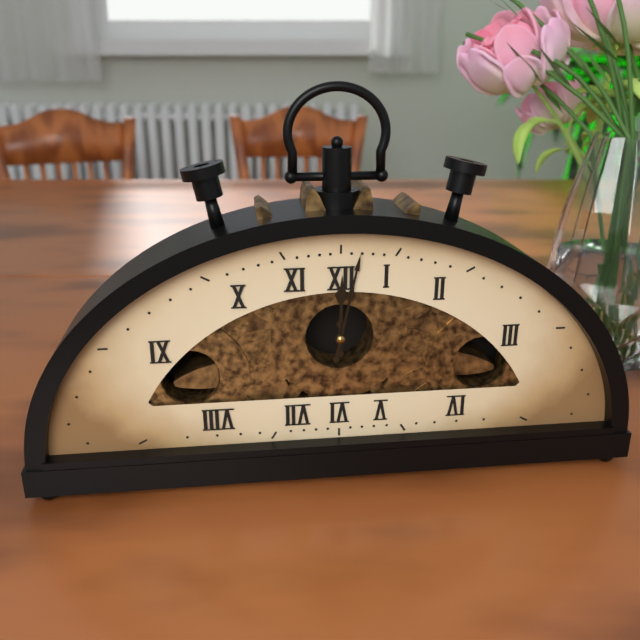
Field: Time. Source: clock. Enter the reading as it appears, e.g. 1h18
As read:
12h02
